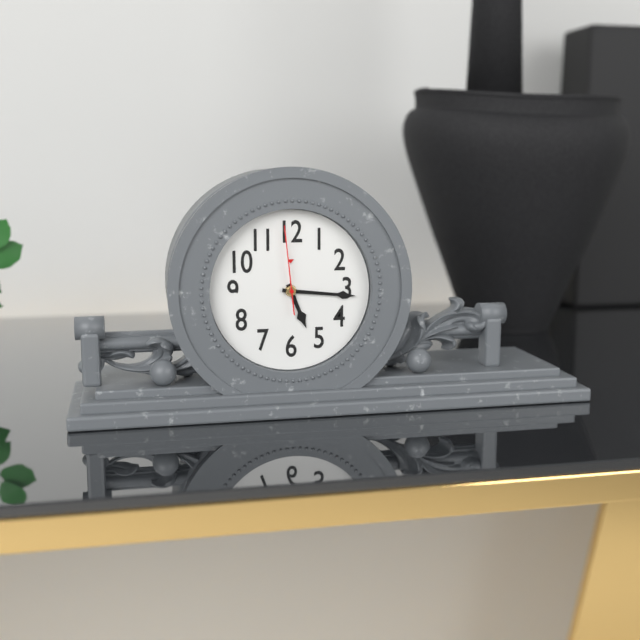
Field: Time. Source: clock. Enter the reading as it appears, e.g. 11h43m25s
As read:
5h16m59s
